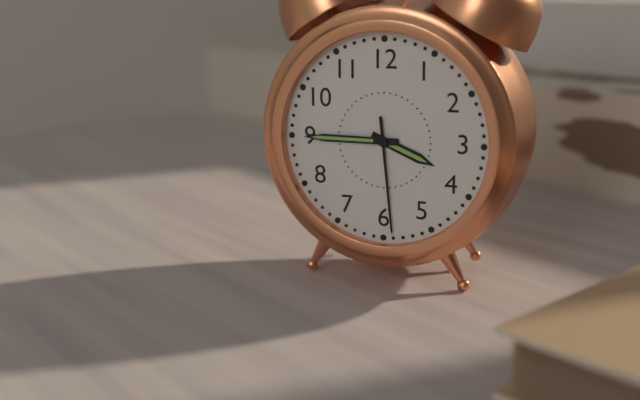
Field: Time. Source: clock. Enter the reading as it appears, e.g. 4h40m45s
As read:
3h45m29s
